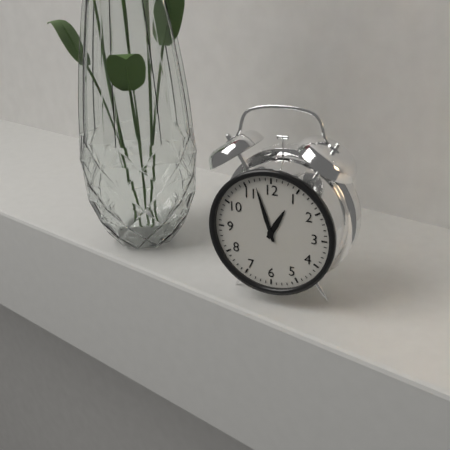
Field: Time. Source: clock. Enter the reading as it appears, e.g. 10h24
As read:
12h57
